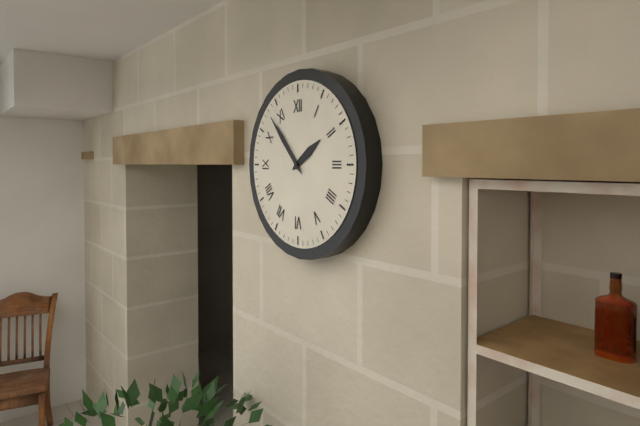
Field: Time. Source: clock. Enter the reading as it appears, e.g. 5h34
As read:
1h53
